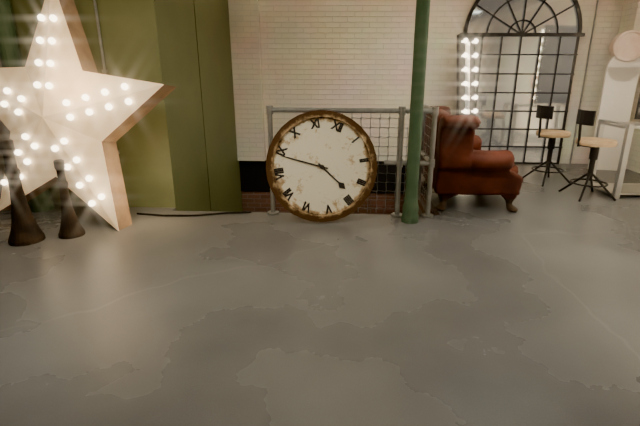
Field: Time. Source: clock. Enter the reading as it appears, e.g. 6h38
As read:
3h44
